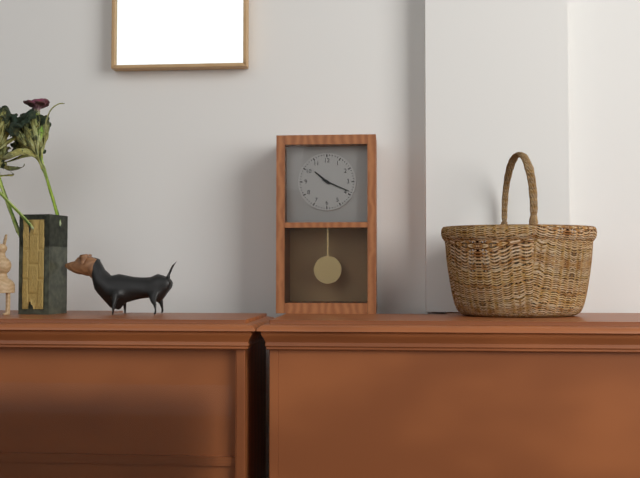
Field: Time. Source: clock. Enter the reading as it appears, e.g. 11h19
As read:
10h19
